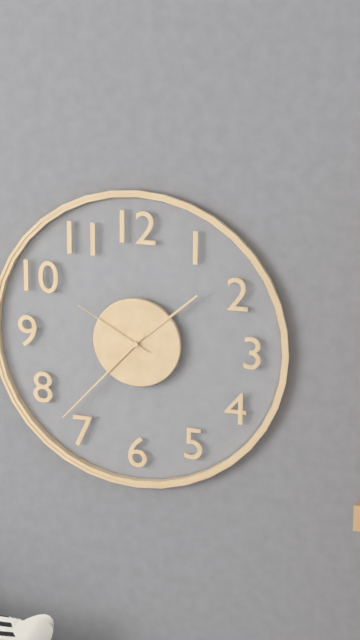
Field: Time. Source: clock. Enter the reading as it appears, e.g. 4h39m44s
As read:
1h37m50s
